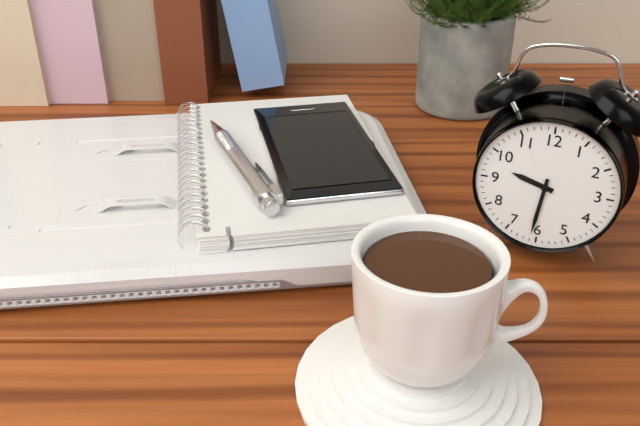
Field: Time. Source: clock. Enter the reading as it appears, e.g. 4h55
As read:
9h31
